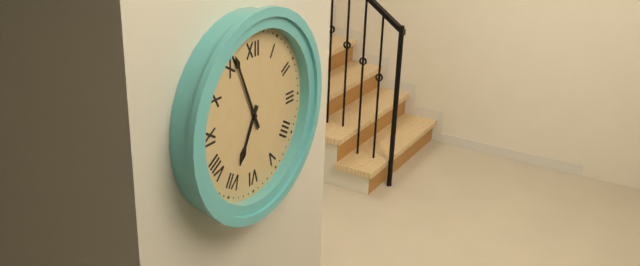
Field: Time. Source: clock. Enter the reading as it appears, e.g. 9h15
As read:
6h56
